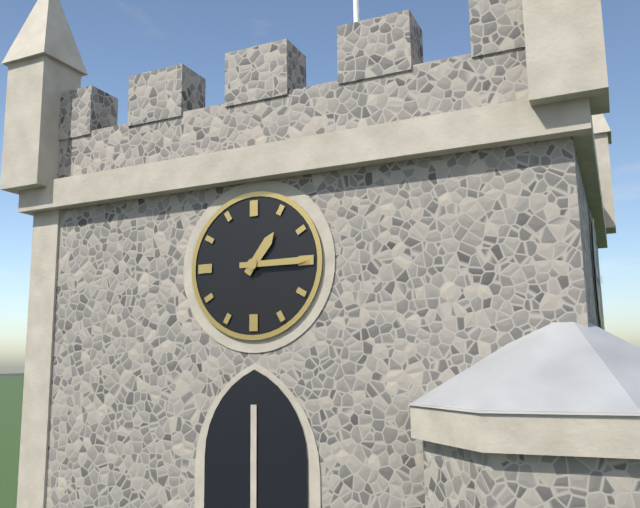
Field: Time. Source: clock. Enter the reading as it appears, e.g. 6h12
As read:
1h15
